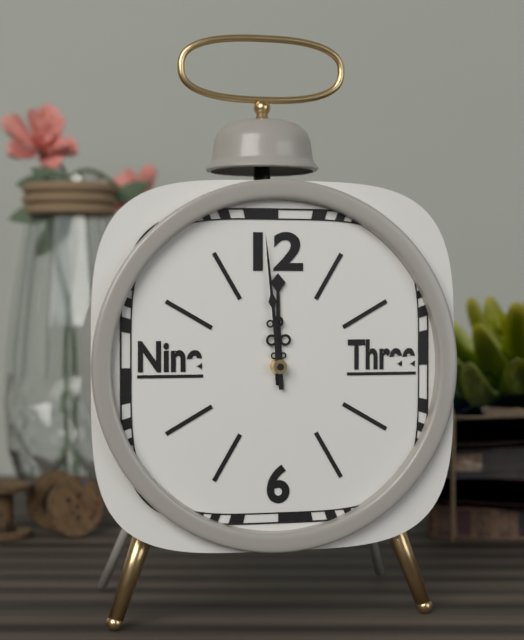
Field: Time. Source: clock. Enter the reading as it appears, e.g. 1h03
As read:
11h59
